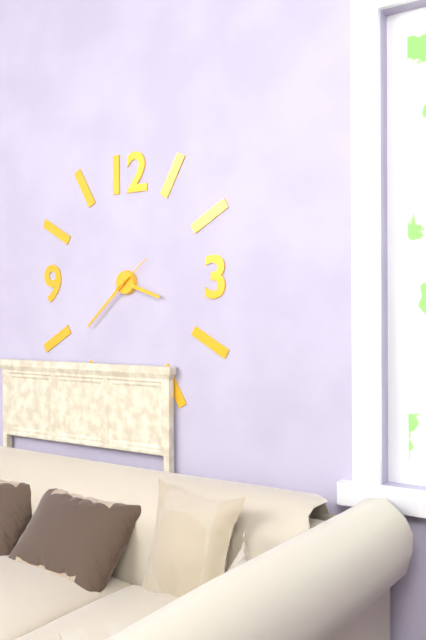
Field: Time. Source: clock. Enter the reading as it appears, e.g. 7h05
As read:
3h38
